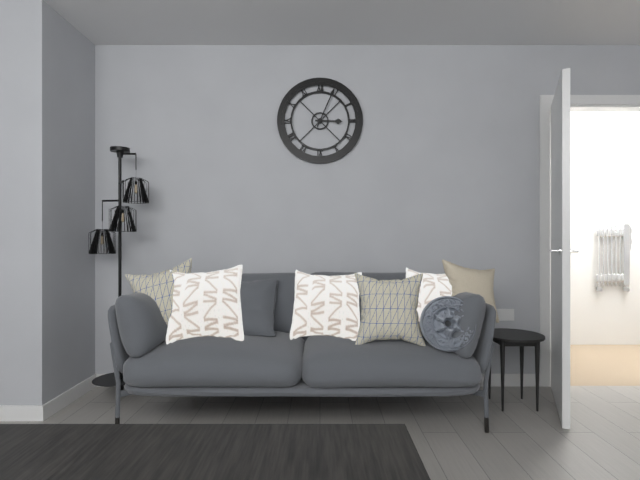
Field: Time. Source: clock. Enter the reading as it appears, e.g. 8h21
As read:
3h04
